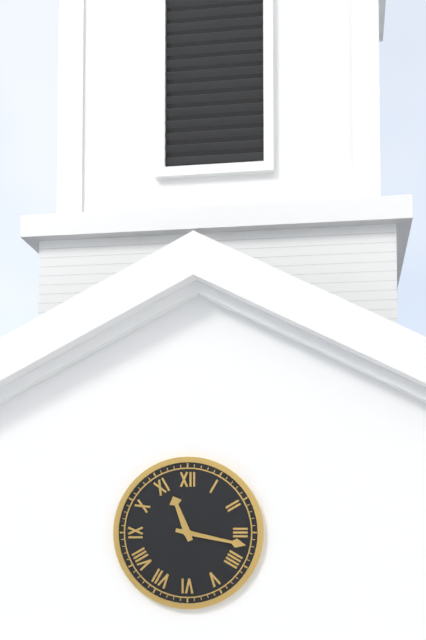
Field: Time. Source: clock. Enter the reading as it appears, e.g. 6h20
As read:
11h17
